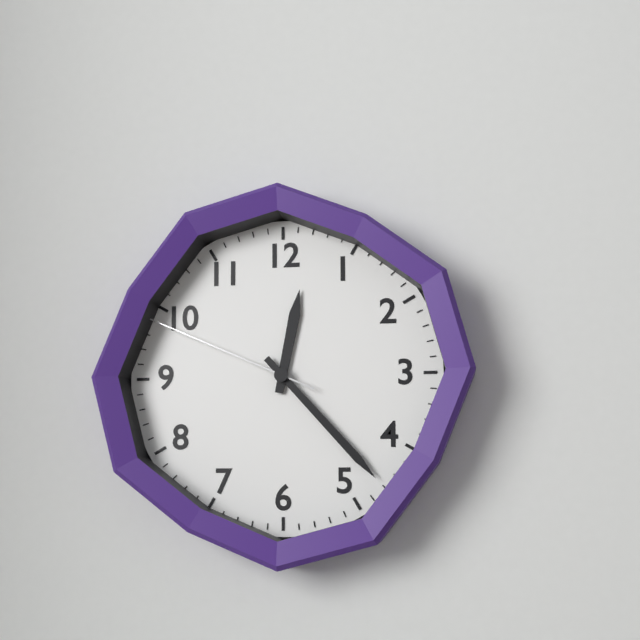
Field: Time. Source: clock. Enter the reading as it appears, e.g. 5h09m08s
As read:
12h23m49s
